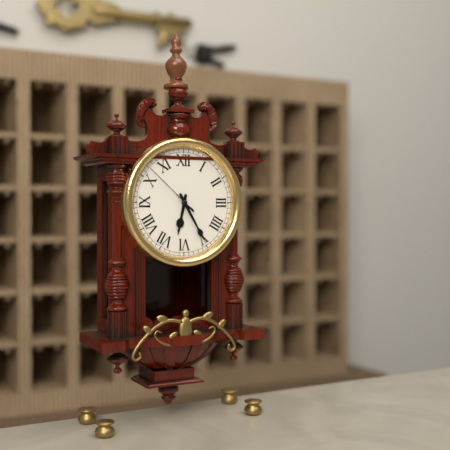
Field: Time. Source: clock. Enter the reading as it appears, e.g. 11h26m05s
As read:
6h25m52s
